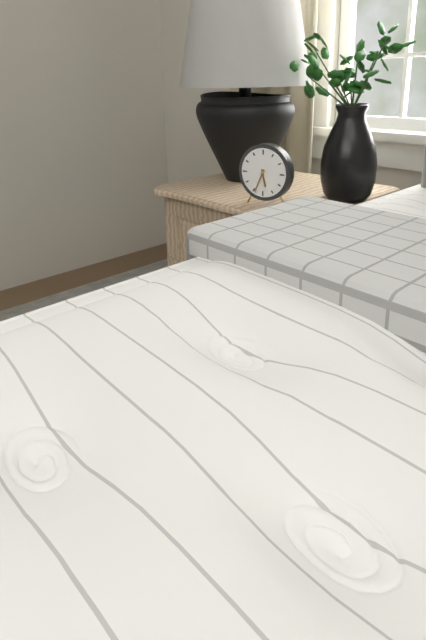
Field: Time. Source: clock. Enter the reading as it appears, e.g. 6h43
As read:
5h34
